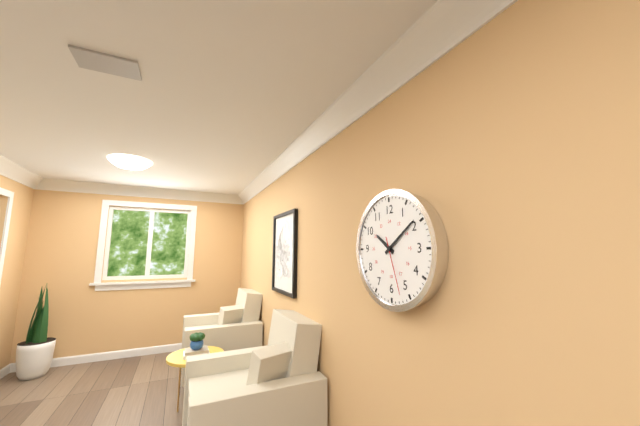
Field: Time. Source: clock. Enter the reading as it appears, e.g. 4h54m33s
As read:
10h09m27s
